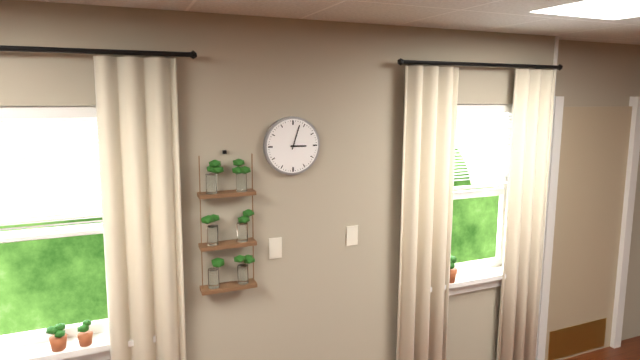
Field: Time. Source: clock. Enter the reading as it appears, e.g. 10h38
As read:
3h03
